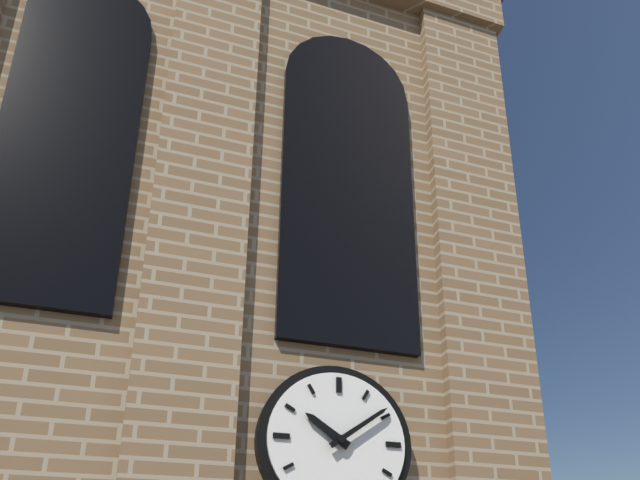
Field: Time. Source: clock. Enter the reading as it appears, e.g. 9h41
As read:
10h09
